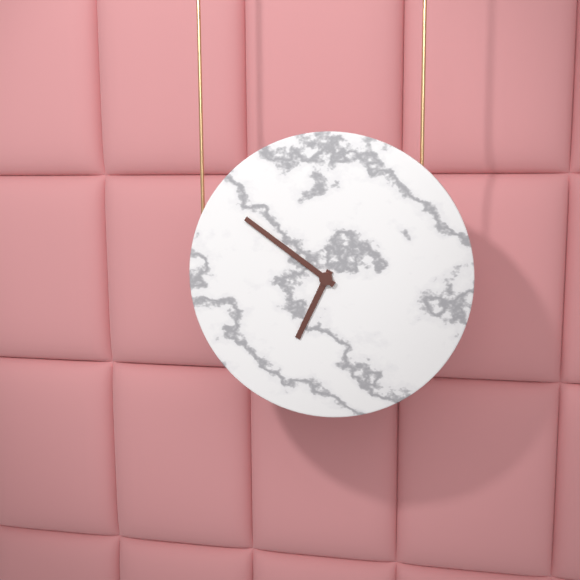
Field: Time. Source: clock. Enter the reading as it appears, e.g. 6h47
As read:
6h51
